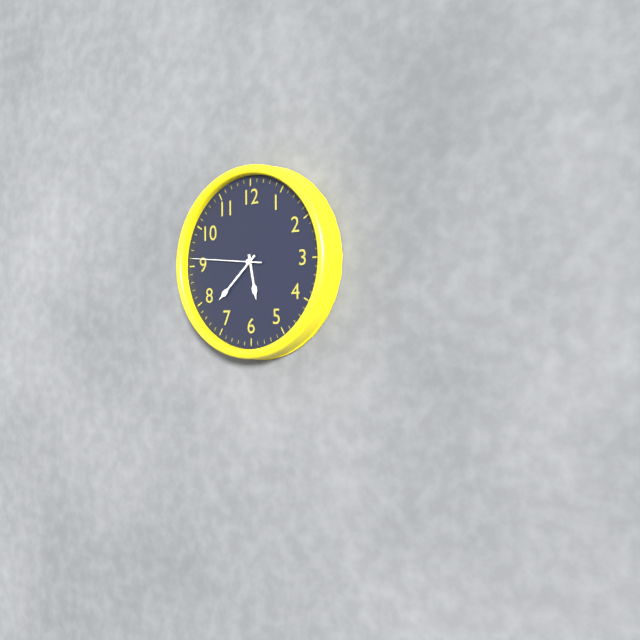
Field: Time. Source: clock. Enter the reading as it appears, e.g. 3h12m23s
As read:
5h38m46s
